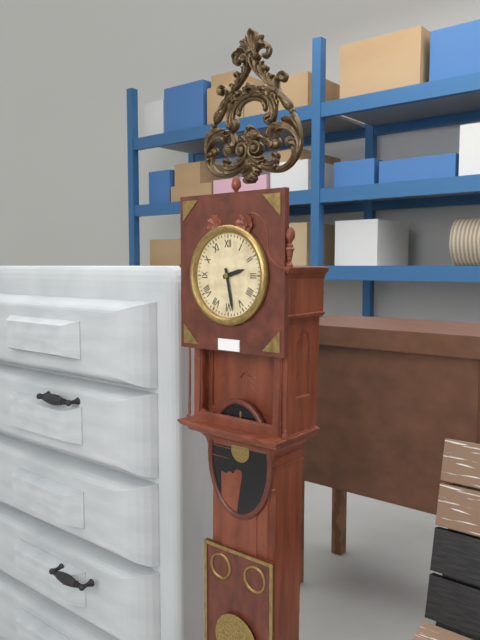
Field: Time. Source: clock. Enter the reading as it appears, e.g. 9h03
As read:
2h28
